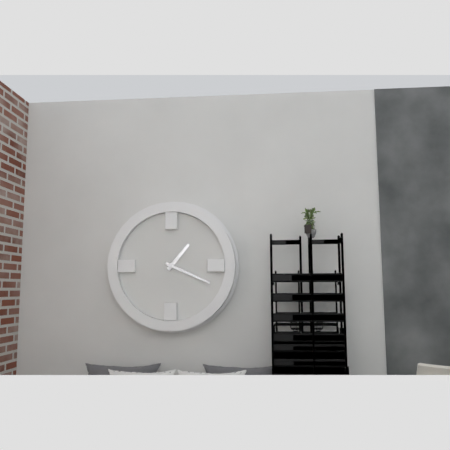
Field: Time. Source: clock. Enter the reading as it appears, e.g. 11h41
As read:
1h19
